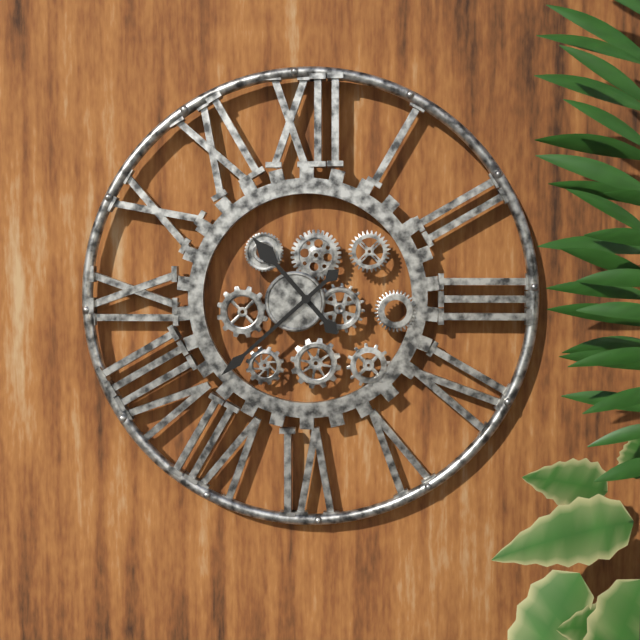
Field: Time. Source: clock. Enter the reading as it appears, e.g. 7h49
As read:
10h38
